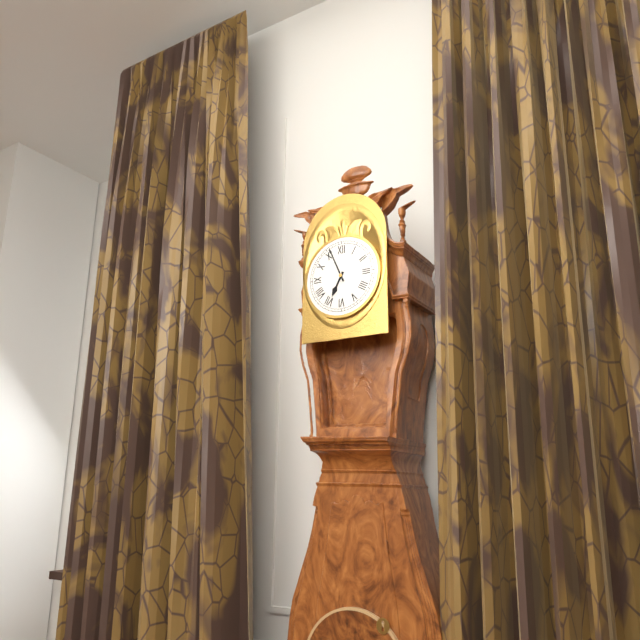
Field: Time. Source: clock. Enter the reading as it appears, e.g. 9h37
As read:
6h56
